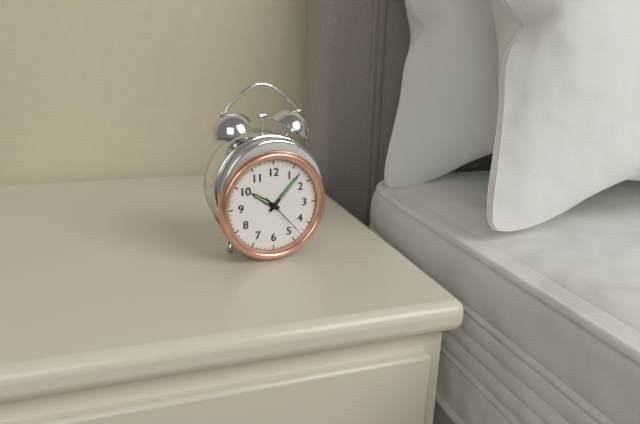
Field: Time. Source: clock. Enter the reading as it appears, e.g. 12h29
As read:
10h07
